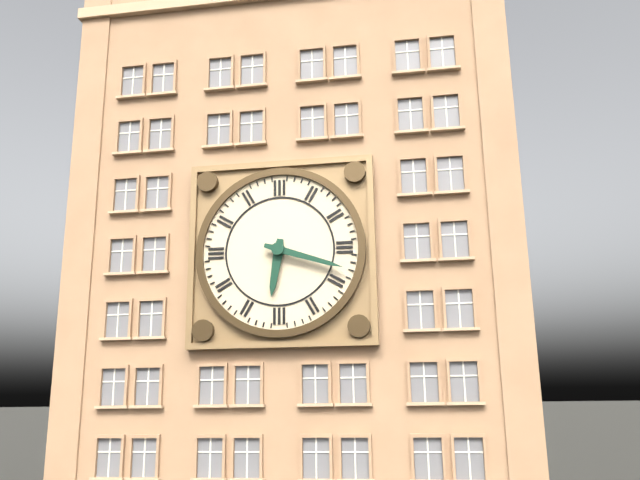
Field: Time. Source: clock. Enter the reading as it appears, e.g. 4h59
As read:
6h18
